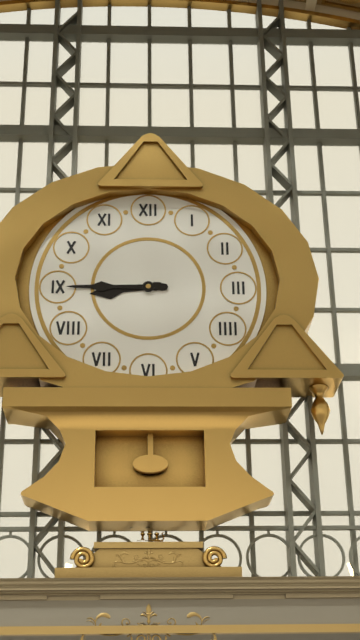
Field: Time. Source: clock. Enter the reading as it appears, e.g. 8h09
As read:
8h45
